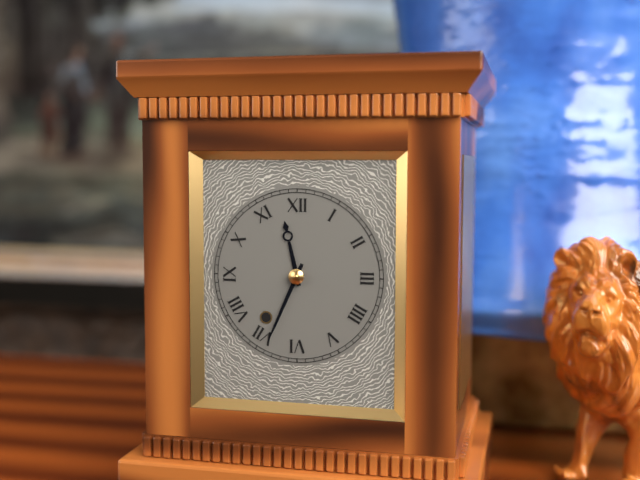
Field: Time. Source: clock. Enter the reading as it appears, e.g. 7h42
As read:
11h34
